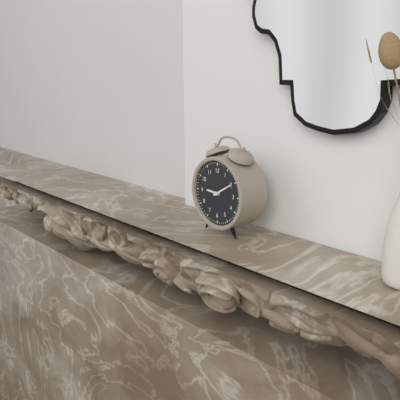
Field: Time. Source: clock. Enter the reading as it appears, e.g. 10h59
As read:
9h10
